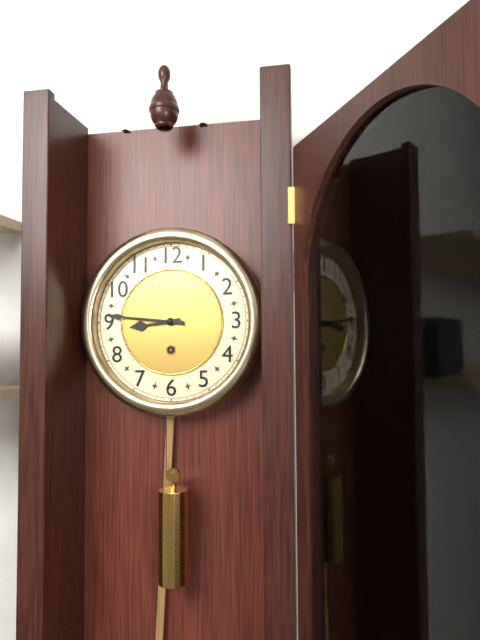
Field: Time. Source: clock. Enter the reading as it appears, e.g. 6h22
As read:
8h46
